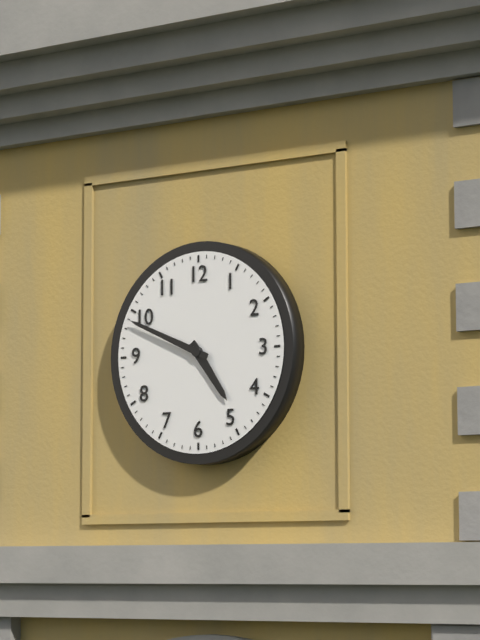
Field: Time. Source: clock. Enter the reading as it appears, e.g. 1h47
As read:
4h49
